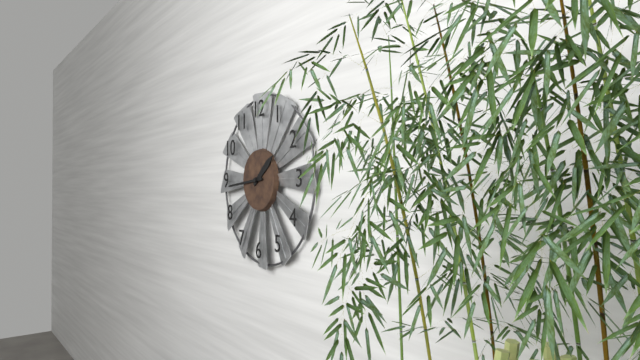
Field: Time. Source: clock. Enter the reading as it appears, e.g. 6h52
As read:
1h44
